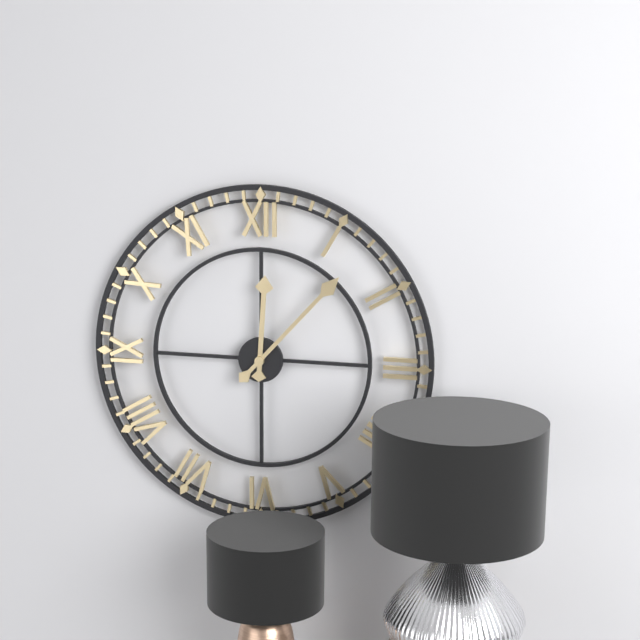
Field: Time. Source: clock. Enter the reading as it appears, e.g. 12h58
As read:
12h07
